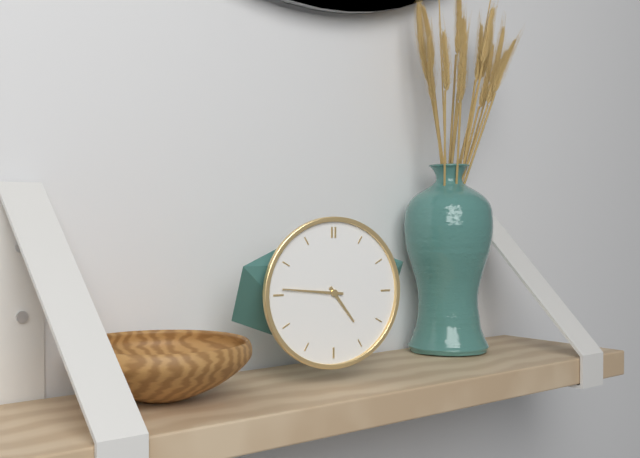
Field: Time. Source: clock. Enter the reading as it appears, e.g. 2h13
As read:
4h46
